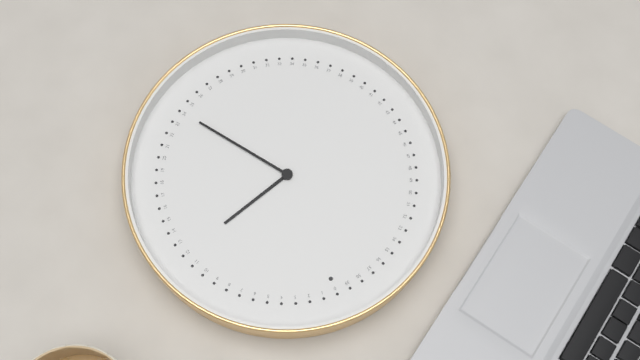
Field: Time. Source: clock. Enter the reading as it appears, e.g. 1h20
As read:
2h24
